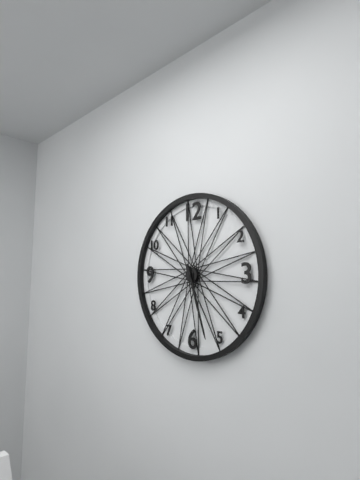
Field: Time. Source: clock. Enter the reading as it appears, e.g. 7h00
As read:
5h27
